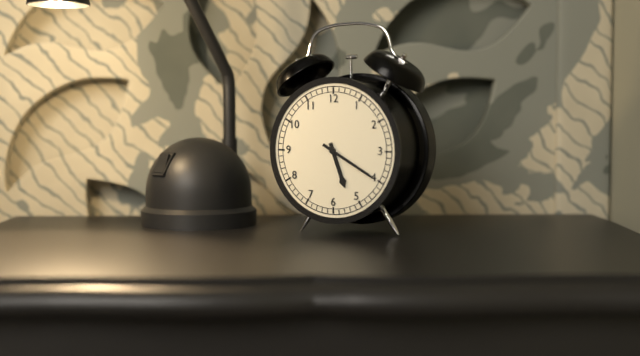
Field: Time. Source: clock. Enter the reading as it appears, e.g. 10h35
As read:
5h20
